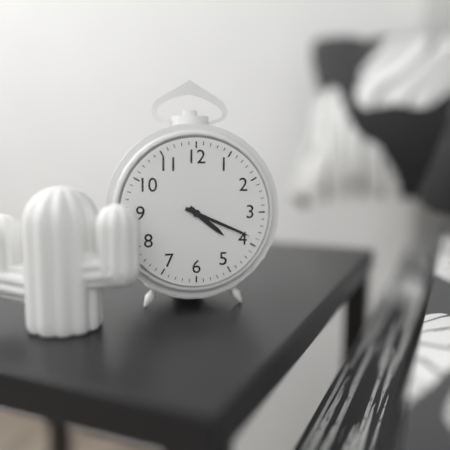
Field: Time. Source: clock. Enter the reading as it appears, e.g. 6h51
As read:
4h19
